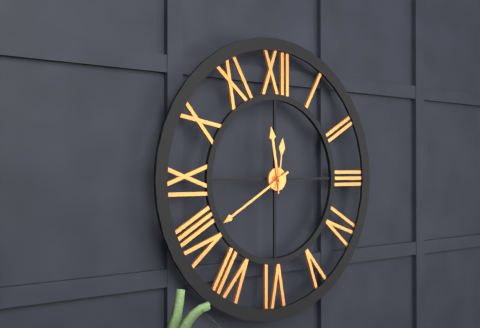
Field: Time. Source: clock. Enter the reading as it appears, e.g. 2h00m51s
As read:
11h40m01s
